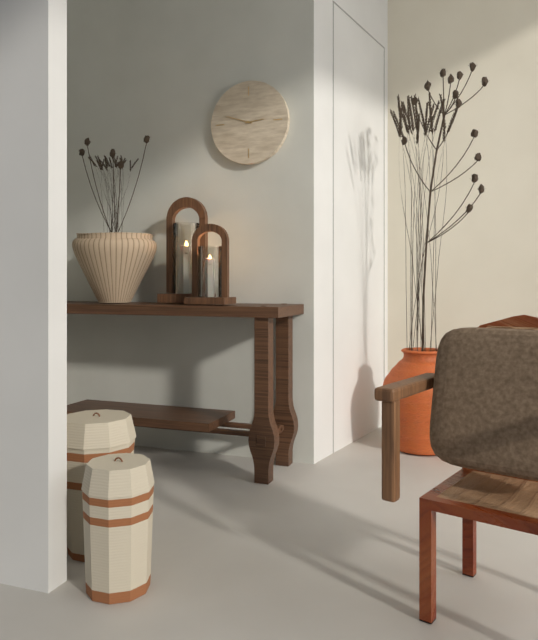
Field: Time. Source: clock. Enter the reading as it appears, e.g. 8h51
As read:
2h48
